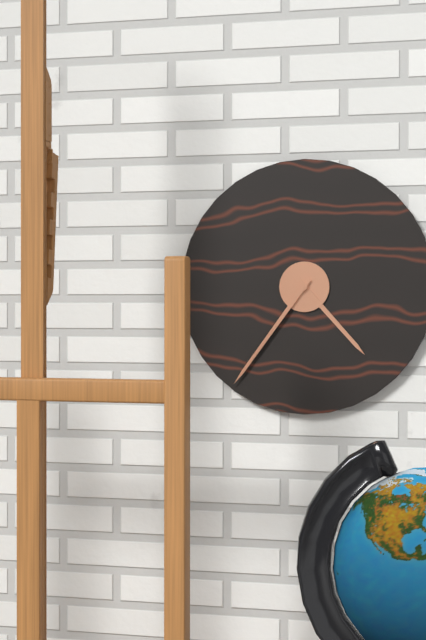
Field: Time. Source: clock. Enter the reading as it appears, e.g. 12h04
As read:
4h36
